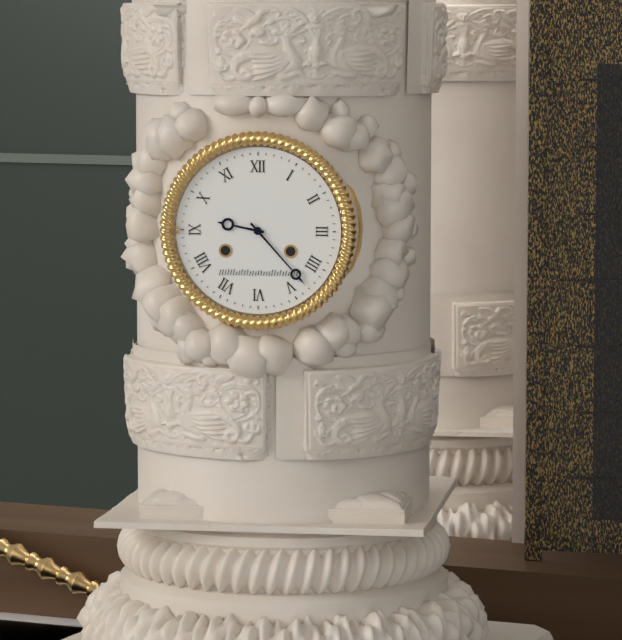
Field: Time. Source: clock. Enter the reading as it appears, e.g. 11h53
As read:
9h23
